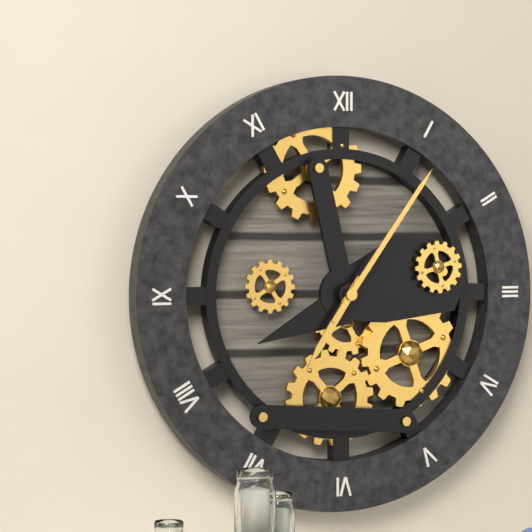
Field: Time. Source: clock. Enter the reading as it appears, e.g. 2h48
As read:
7h06
